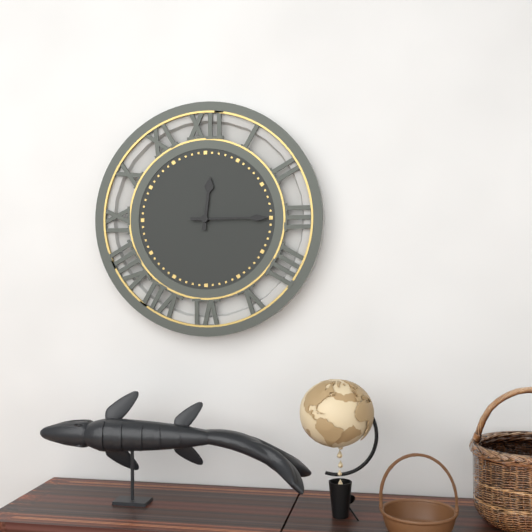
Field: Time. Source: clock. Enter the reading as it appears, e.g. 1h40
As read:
12h15
